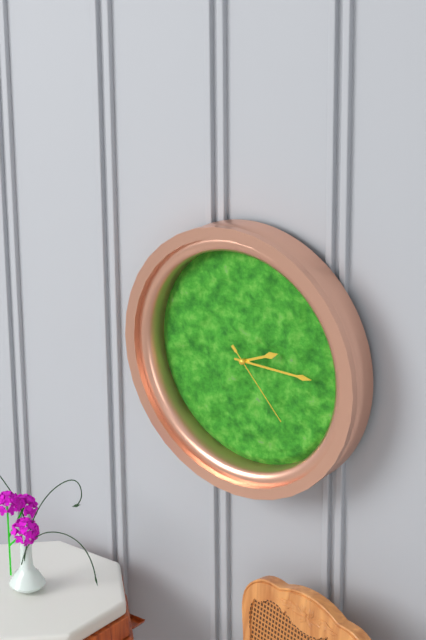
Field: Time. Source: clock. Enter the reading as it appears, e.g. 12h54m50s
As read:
2h15m23s
